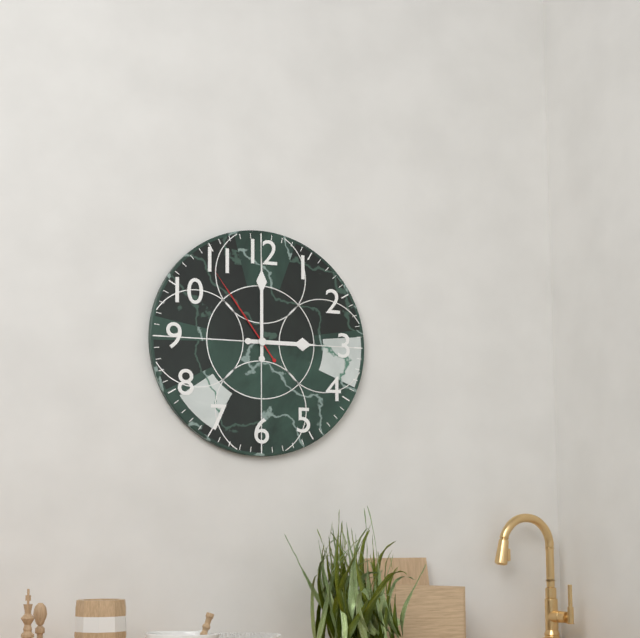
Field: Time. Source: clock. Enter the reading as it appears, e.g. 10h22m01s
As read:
3h00m54s
